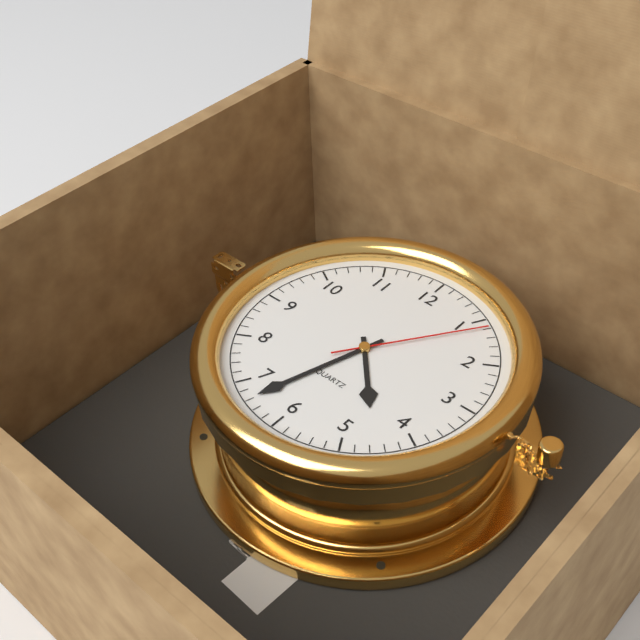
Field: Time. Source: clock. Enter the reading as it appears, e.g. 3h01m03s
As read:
4h33m06s
